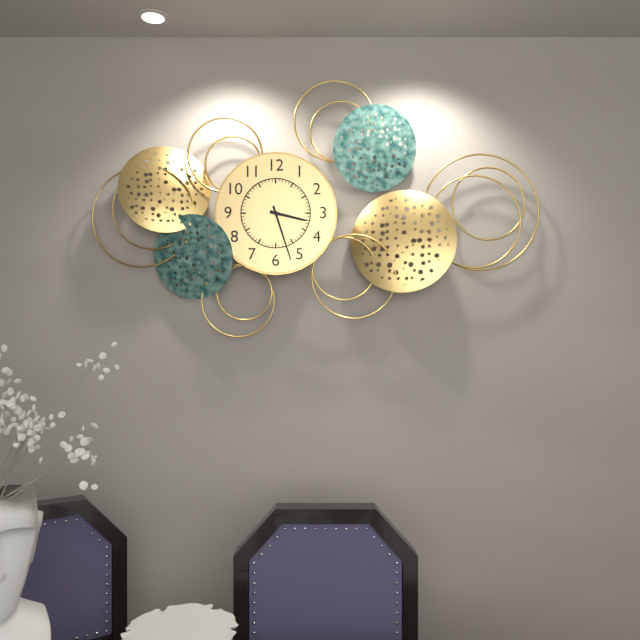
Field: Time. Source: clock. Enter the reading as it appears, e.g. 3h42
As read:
3h27
